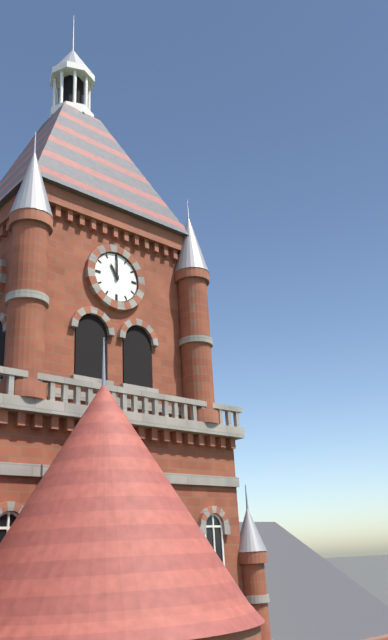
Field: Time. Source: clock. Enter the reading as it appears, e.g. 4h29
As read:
11h00
